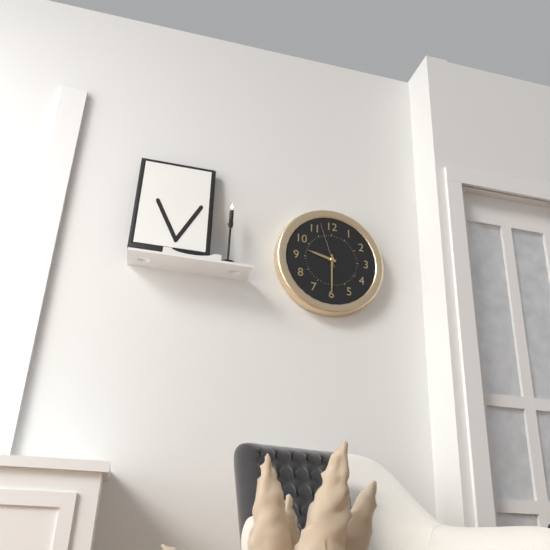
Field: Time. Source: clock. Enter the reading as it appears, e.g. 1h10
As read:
9h30
